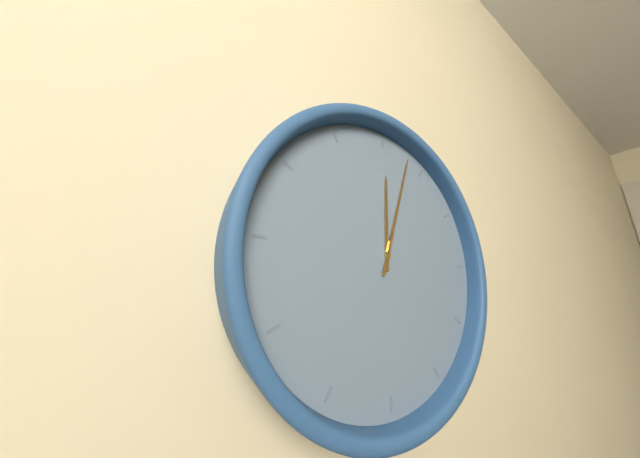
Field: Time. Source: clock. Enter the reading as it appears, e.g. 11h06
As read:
12h03
